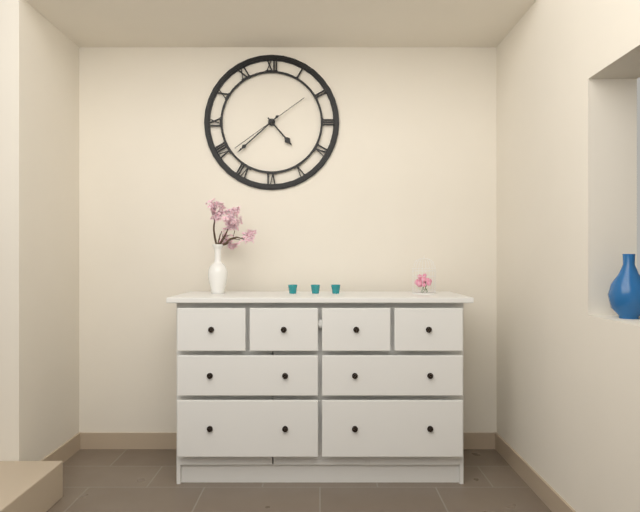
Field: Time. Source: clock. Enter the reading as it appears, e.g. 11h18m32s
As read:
4h38m39s
